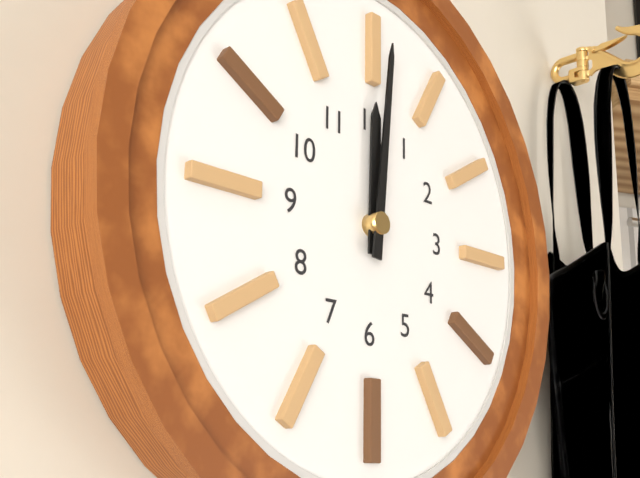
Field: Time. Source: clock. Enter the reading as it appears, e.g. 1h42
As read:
12h01
